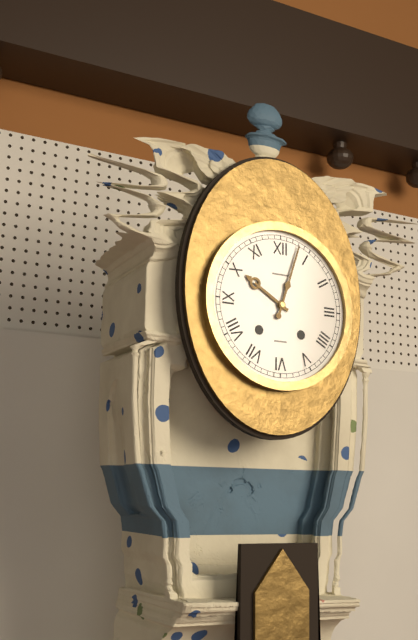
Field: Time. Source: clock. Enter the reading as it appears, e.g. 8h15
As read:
10h03
